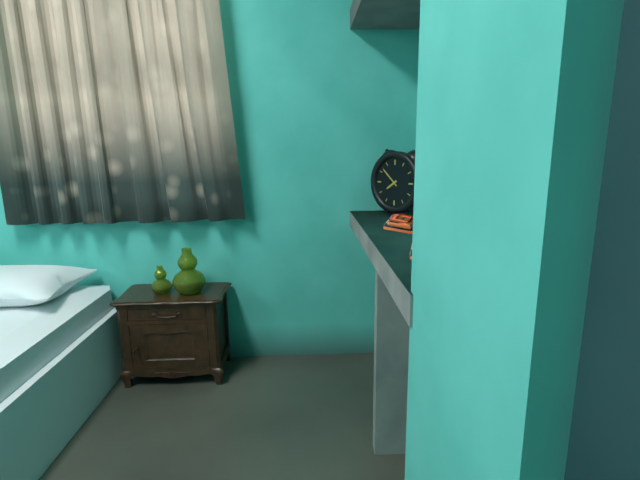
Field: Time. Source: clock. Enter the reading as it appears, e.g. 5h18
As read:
7h52
